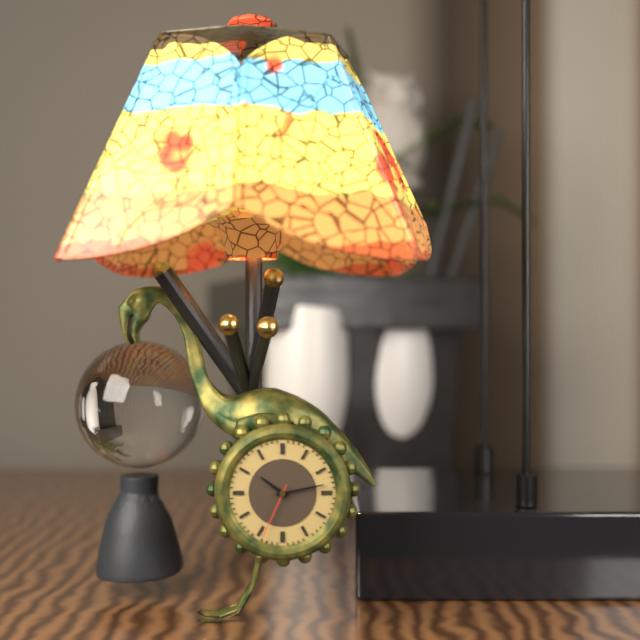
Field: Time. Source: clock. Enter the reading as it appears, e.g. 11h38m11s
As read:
10h13m34s
